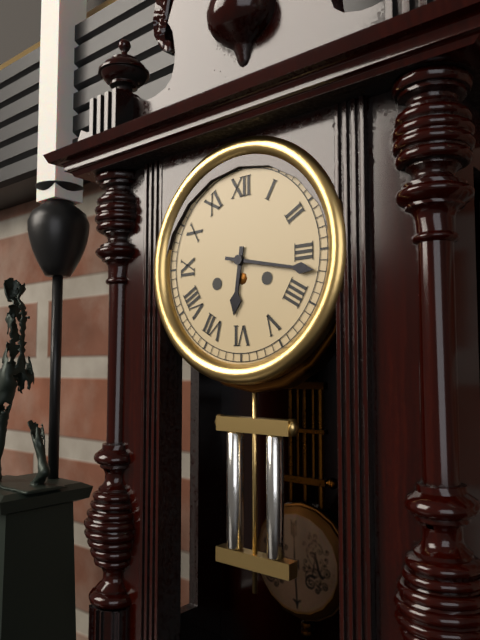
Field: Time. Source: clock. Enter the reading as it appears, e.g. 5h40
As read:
6h17
